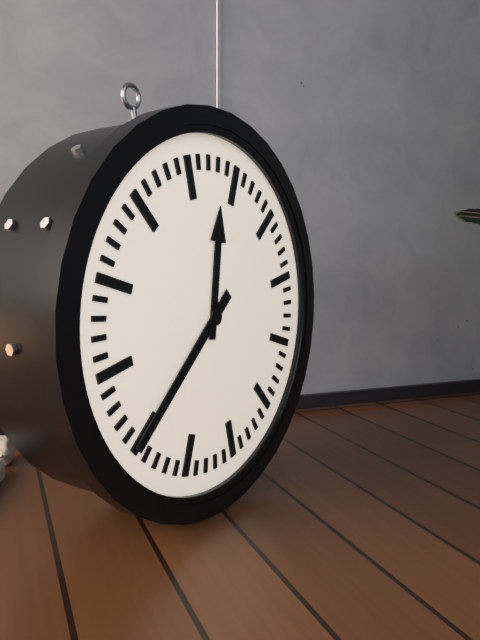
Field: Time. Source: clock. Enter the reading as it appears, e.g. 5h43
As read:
12h40
